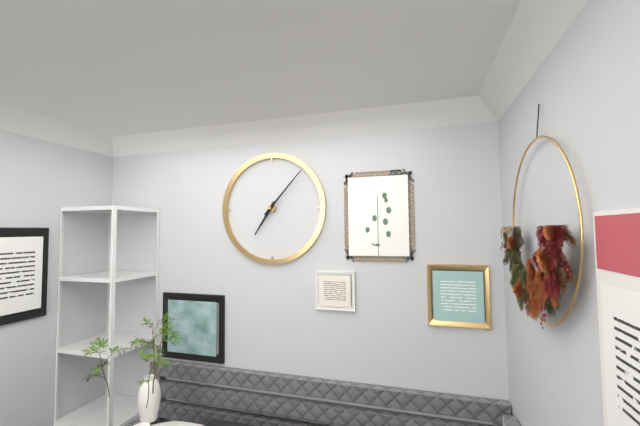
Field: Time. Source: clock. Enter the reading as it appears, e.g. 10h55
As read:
7h07
